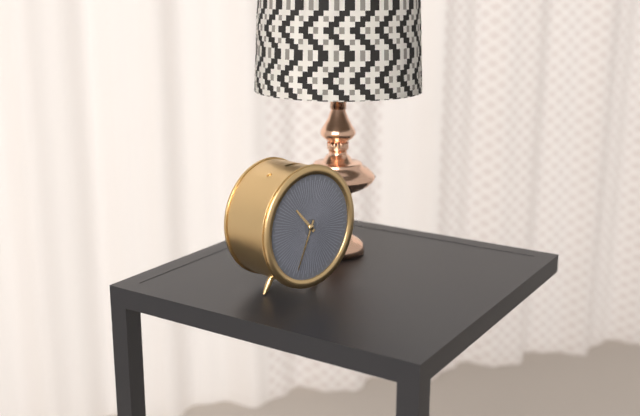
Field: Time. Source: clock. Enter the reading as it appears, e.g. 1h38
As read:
10h34
